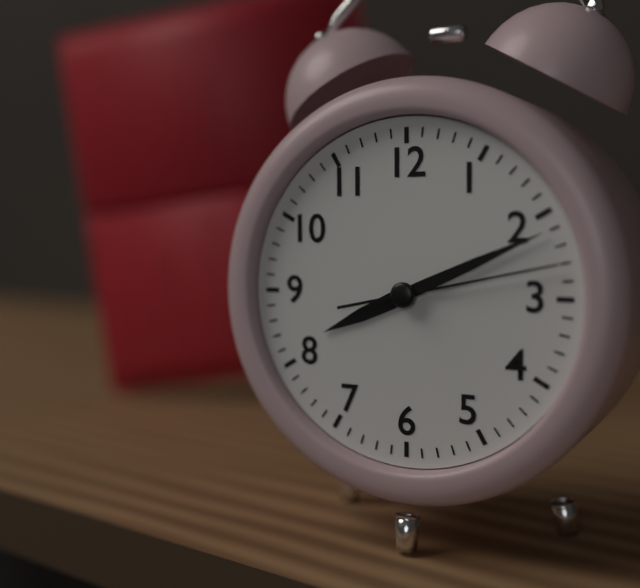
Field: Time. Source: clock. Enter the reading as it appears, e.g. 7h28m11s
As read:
8h11m13s
